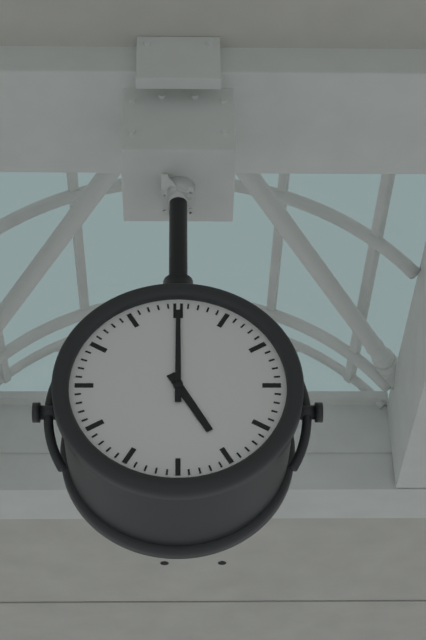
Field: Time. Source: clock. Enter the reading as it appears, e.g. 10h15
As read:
5h00
